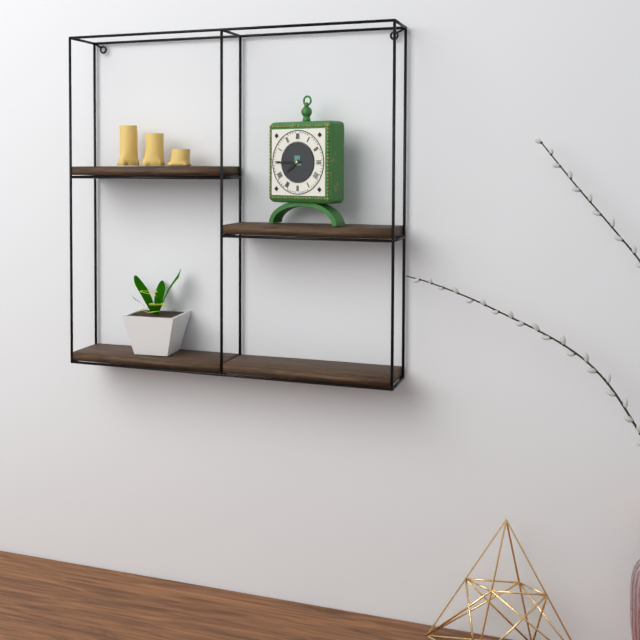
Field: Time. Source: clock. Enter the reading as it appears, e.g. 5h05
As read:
7h45
